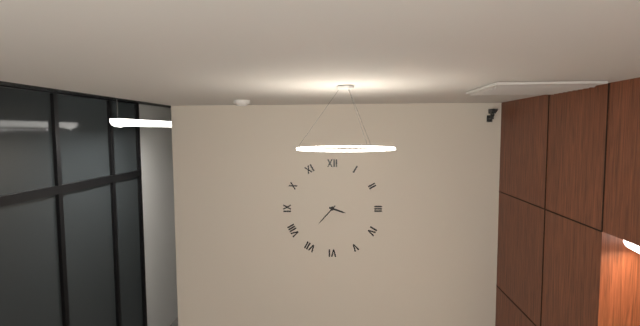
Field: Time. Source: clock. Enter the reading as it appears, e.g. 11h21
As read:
3h37
